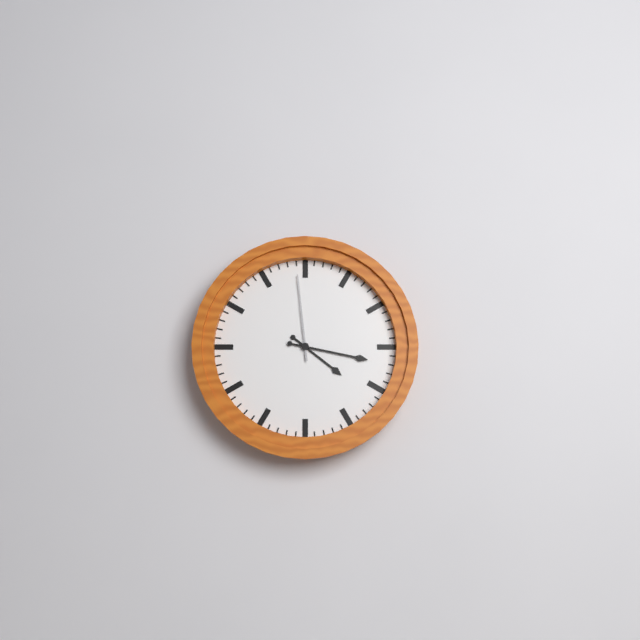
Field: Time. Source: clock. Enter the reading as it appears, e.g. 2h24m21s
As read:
4h17m59s
